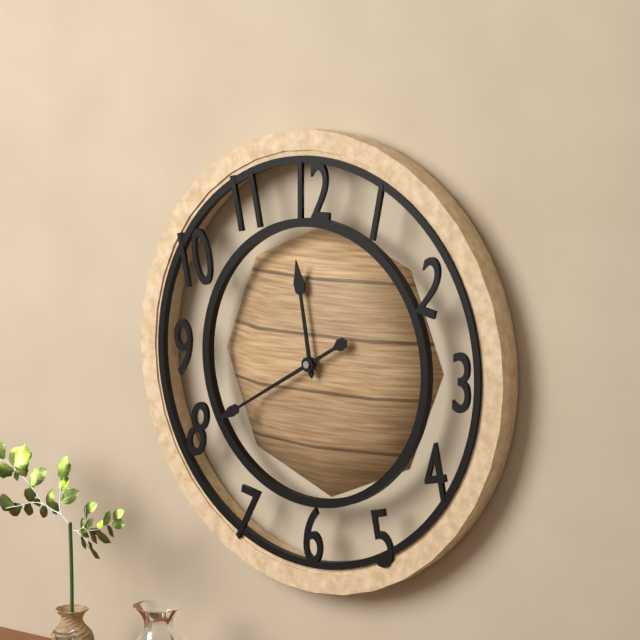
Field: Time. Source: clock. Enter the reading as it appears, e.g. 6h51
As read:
11h40
